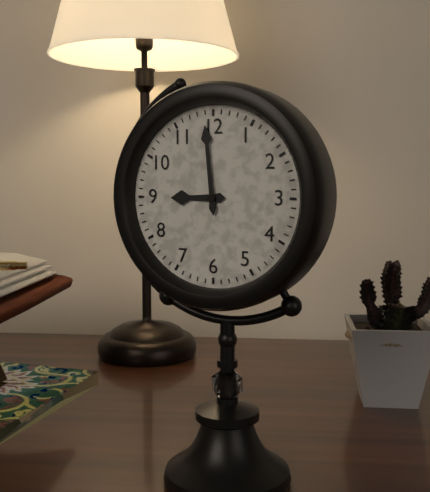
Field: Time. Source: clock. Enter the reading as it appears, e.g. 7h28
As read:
8h59
